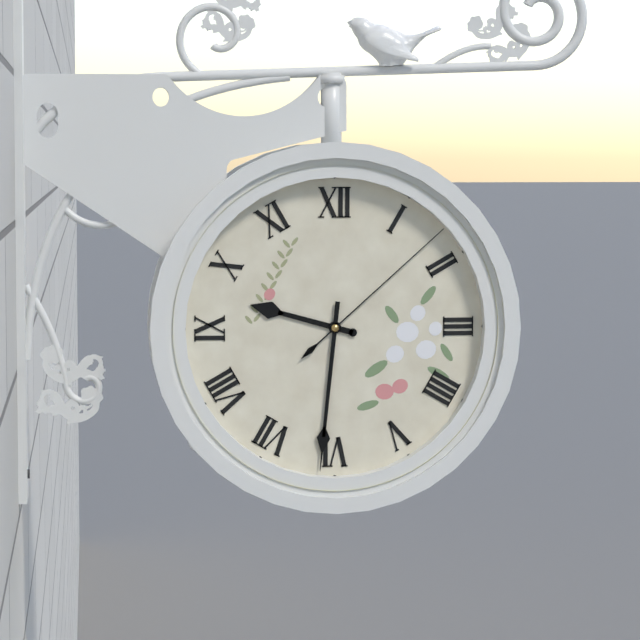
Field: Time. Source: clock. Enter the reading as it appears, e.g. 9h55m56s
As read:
9h31m08s
